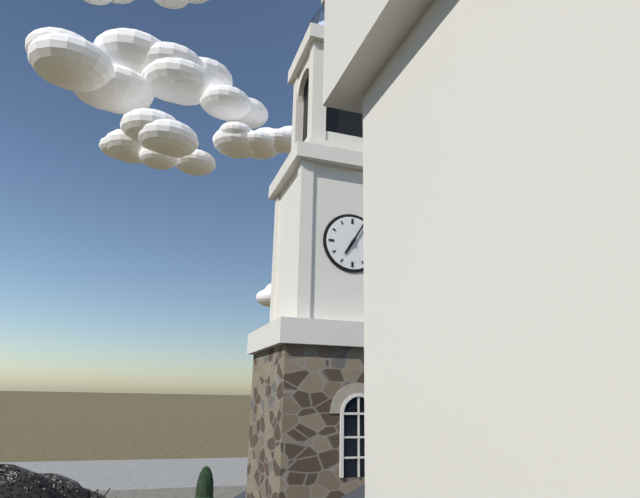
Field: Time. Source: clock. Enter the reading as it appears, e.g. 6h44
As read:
7h05
